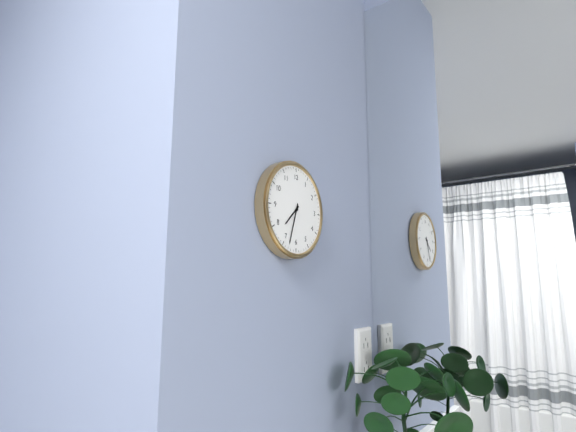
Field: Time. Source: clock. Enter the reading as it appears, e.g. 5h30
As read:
7h33
